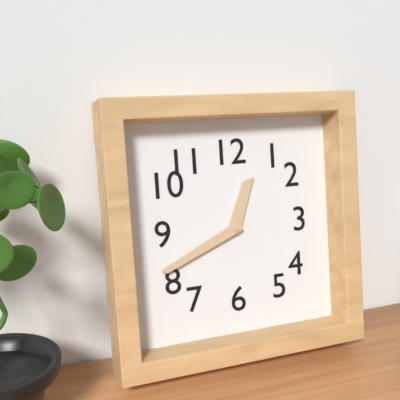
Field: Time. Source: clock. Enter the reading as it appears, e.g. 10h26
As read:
12h41
